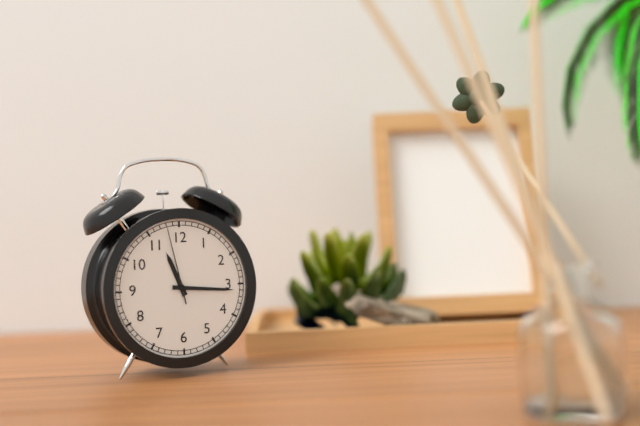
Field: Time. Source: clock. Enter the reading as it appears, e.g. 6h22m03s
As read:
11h16m58s
